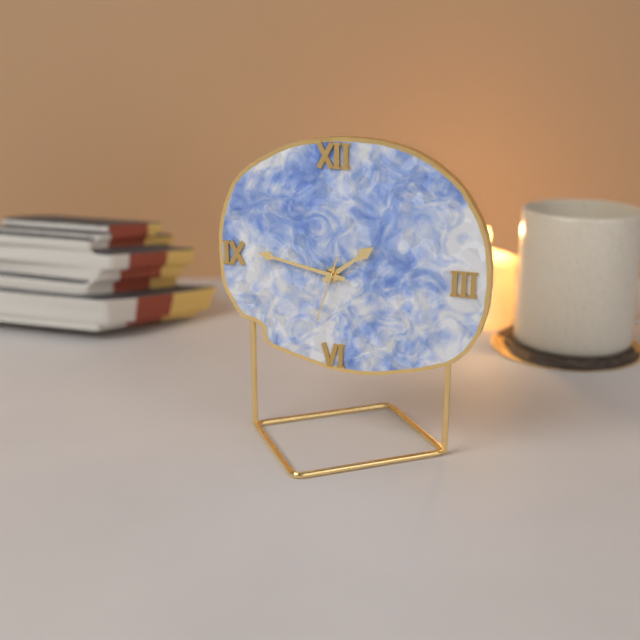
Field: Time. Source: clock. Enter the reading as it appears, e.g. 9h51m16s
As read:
1h47m33s
